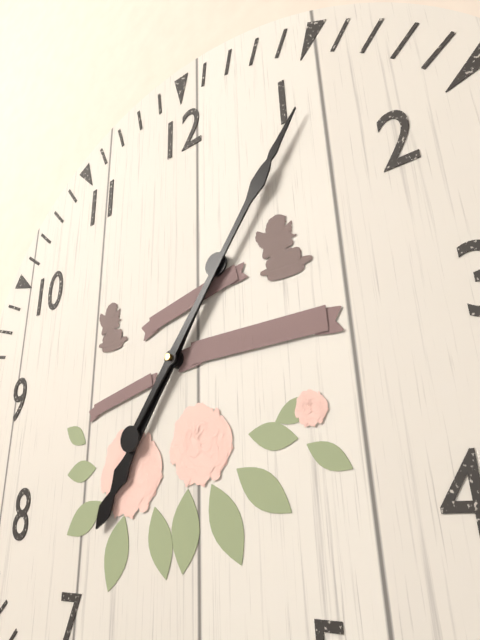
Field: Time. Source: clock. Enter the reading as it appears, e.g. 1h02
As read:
7h06
